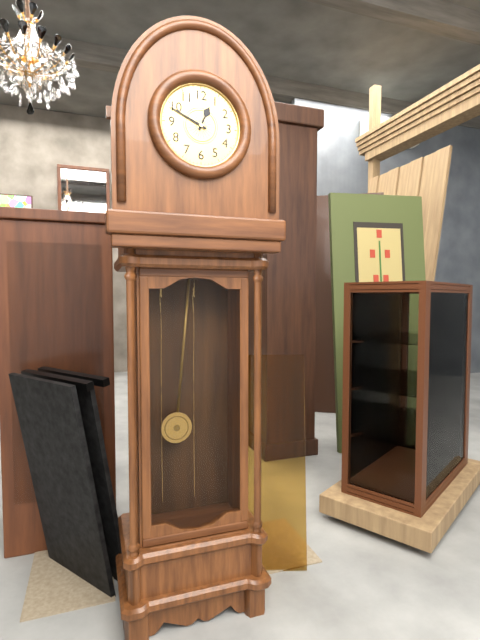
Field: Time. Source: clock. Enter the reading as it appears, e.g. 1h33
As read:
12h49
